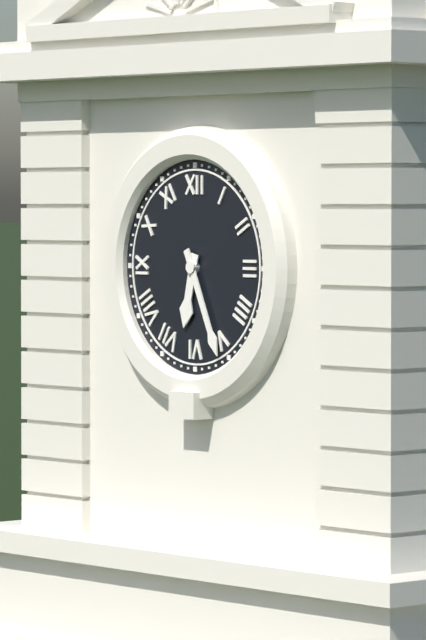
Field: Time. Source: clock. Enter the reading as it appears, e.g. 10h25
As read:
6h26
